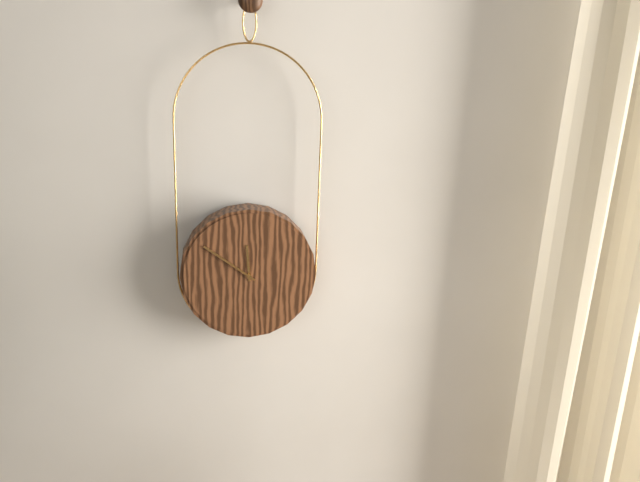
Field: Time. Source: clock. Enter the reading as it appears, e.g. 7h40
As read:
11h51
